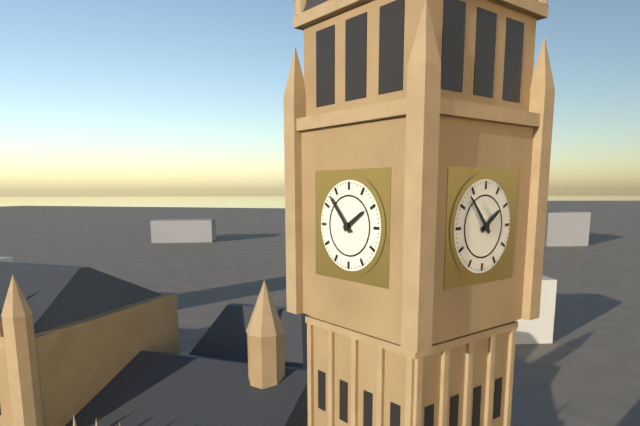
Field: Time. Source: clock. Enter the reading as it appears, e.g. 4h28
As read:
1h53
